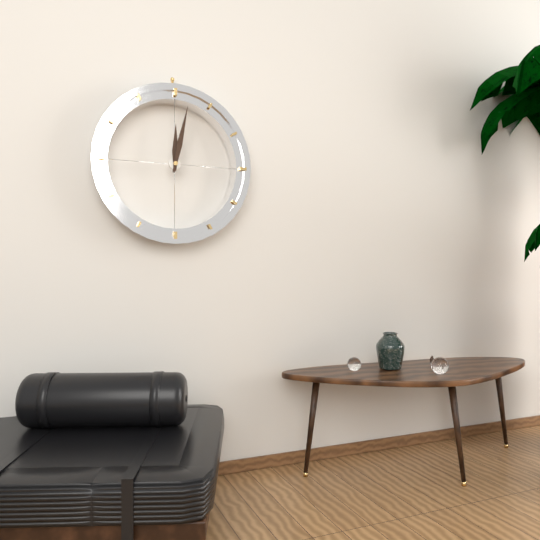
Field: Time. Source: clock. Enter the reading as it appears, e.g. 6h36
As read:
12h02
